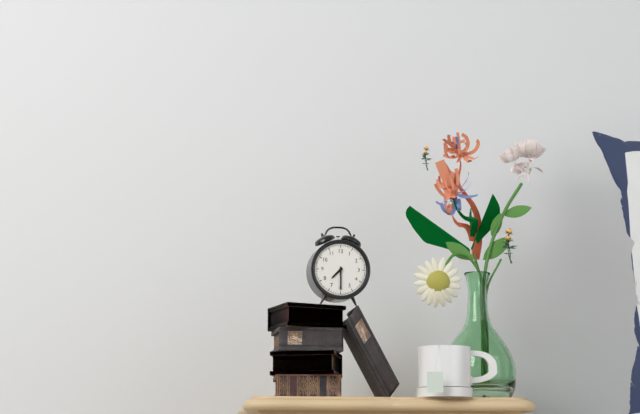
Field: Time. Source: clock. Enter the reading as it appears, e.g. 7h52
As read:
7h30
